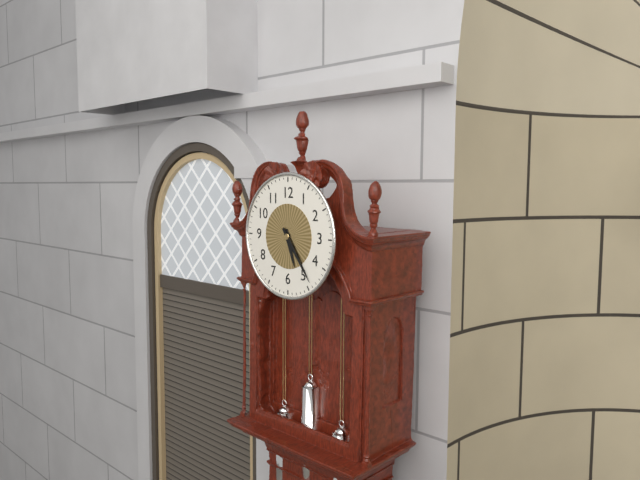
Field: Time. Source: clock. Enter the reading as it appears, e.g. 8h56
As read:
5h24
